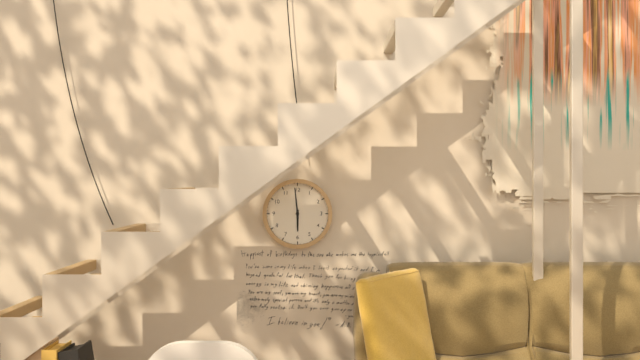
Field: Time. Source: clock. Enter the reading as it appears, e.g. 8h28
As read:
5h59
